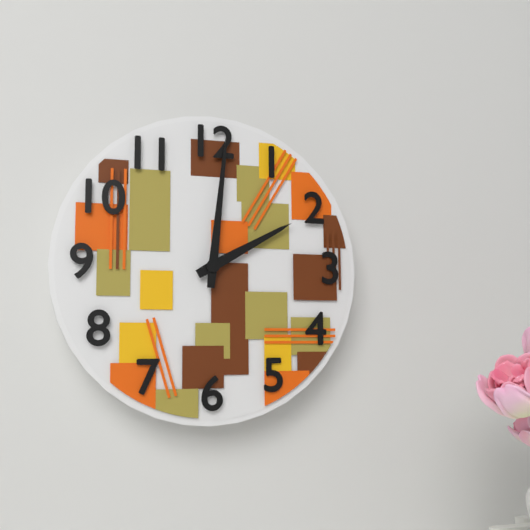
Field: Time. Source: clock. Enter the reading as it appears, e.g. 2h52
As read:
2h01
